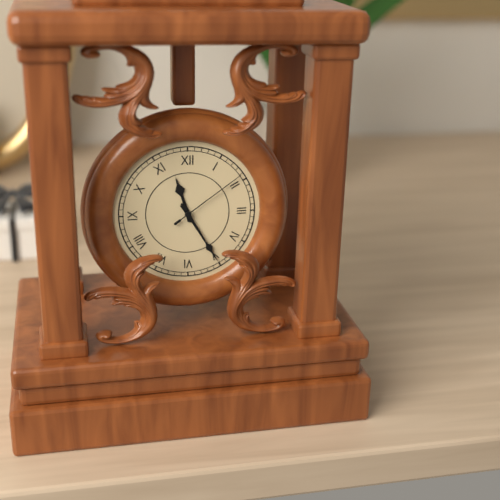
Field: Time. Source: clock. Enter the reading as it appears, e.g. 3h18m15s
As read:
11h25m09s
